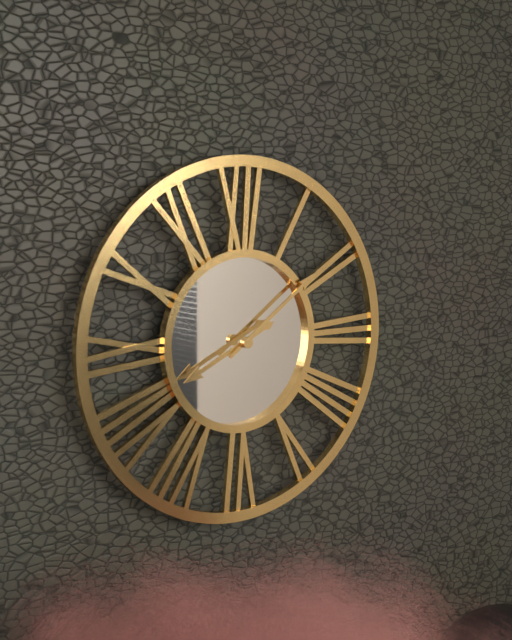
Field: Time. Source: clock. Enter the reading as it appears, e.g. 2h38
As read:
8h09
